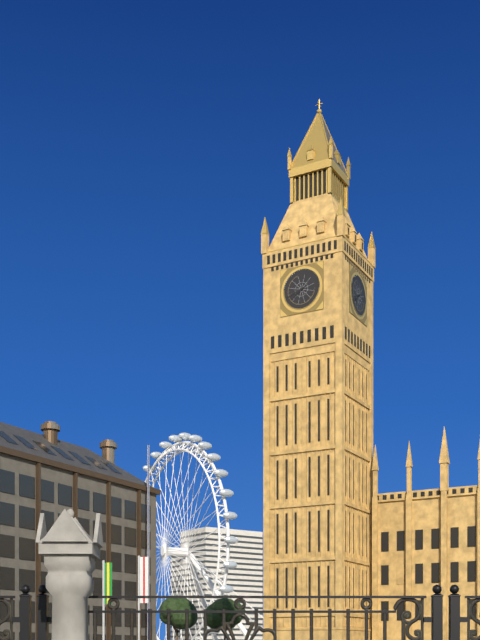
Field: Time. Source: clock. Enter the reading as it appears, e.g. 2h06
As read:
7h42
